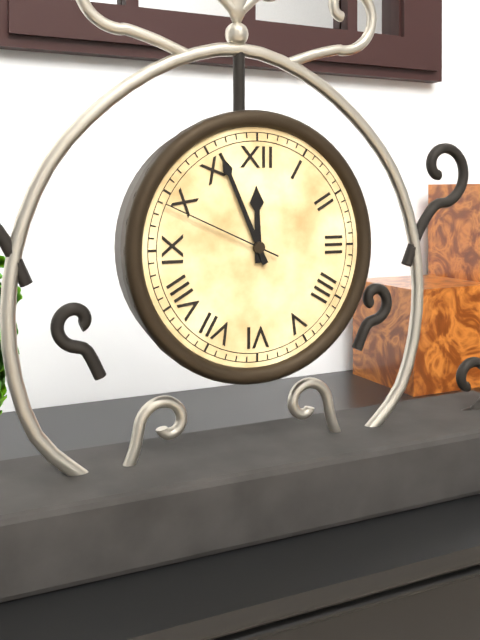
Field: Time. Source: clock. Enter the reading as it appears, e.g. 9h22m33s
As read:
11h56m49s
